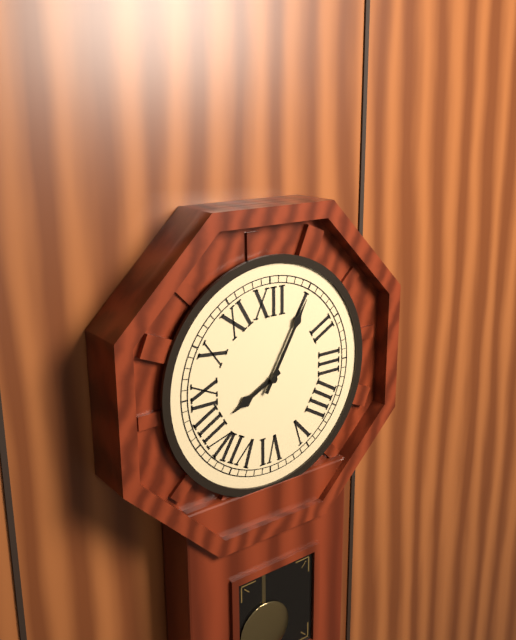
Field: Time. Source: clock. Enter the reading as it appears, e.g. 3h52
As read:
8h05
